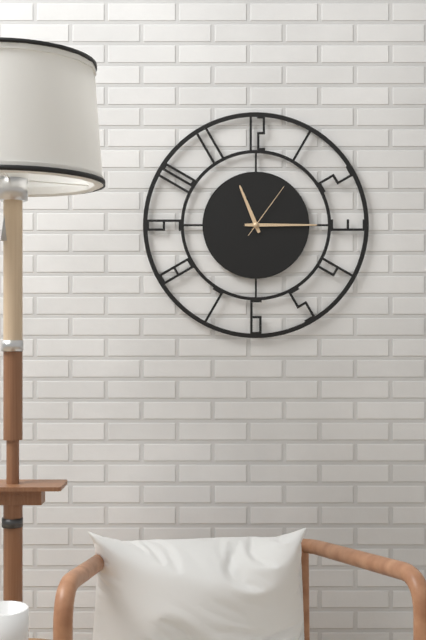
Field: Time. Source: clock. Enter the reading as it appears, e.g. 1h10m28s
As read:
11h15m06s
